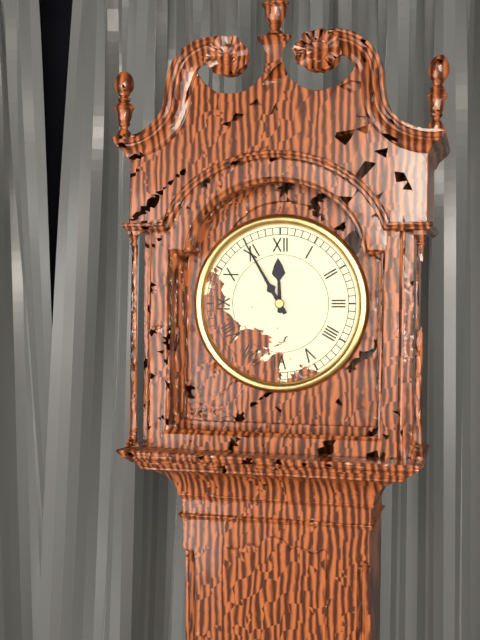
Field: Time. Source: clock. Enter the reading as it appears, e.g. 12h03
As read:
11h55
